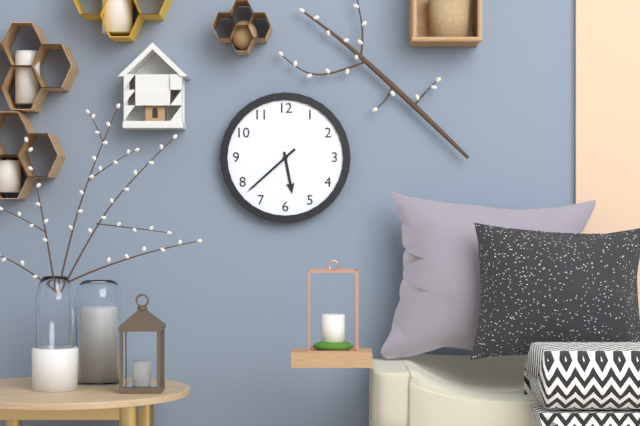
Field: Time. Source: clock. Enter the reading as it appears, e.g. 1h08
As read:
5h38
